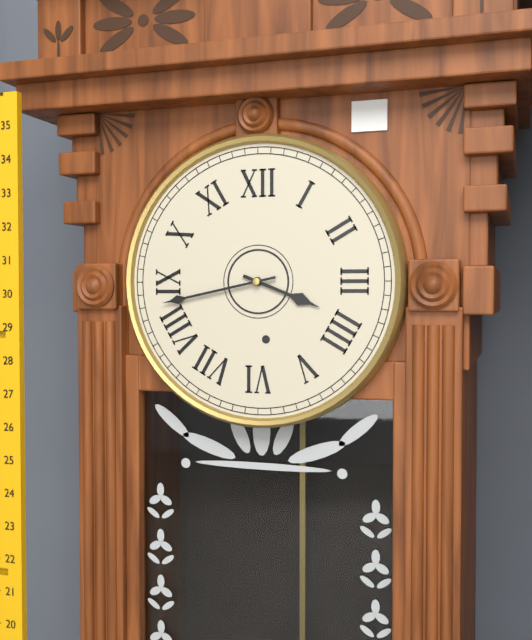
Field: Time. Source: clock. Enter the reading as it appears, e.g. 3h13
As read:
3h43
